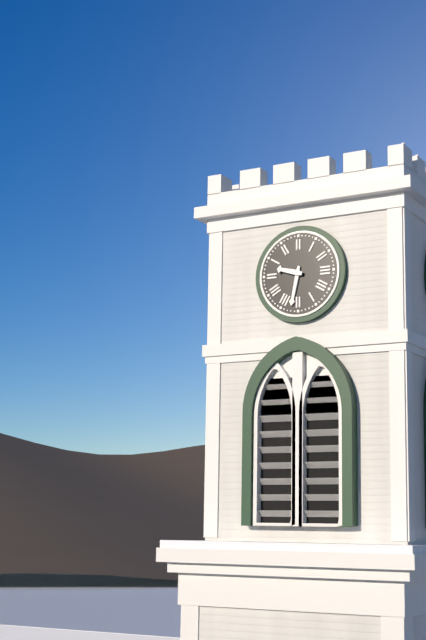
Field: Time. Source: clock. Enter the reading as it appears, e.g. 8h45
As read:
9h32
